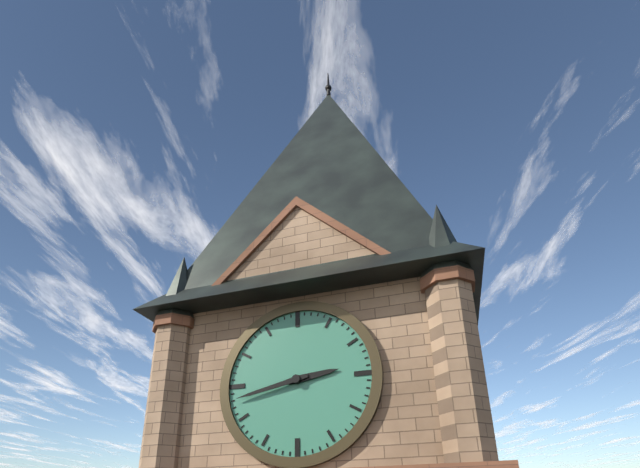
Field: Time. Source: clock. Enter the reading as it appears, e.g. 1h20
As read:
2h43
